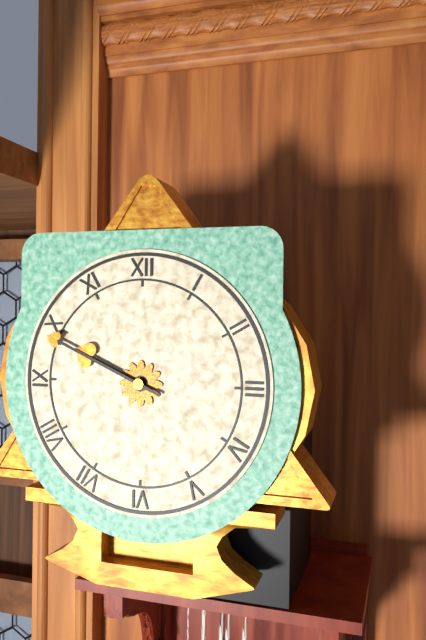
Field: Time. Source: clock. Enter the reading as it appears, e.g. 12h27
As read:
9h49
